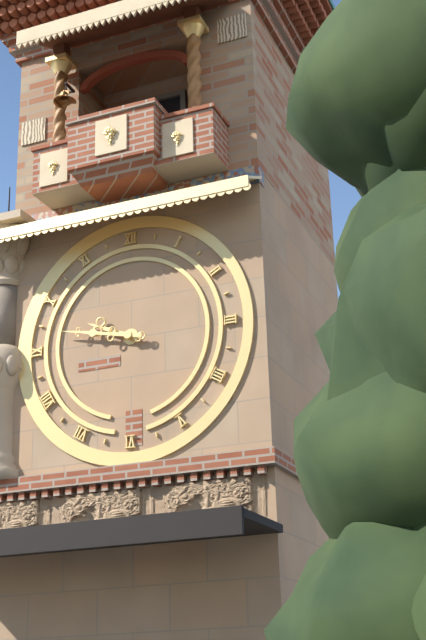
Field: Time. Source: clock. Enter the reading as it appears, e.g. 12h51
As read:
9h47
